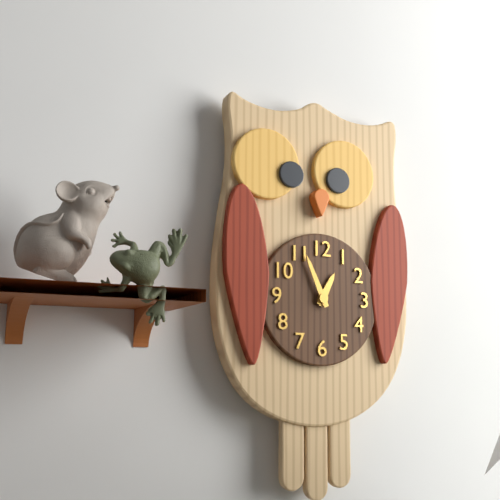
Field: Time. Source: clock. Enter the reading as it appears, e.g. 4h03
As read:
12h56
